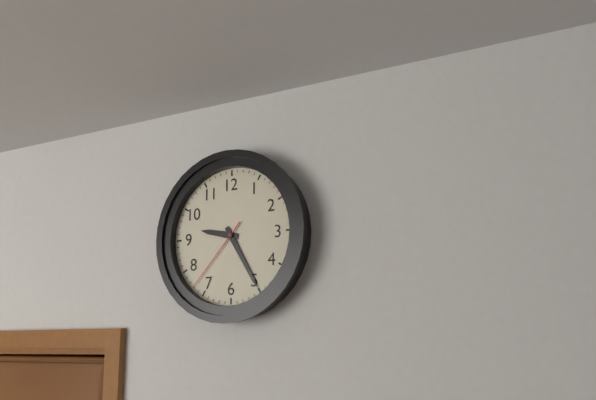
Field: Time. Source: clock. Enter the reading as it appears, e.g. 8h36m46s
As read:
9h25m37s
